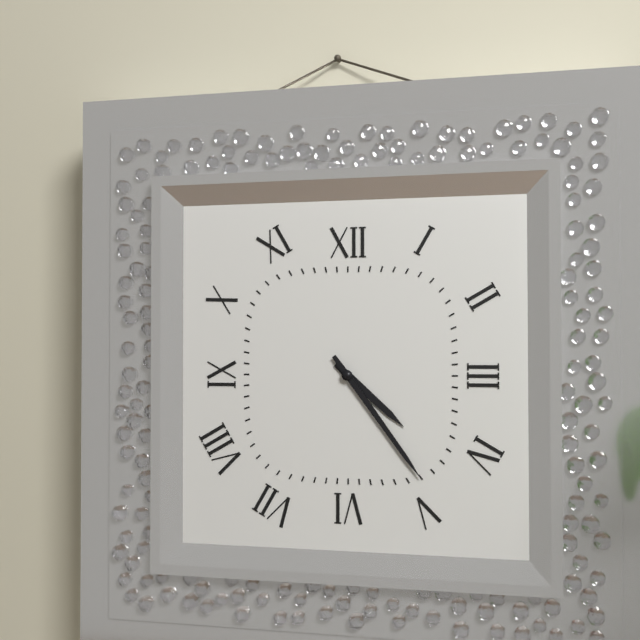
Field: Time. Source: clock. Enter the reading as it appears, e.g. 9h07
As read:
4h24
